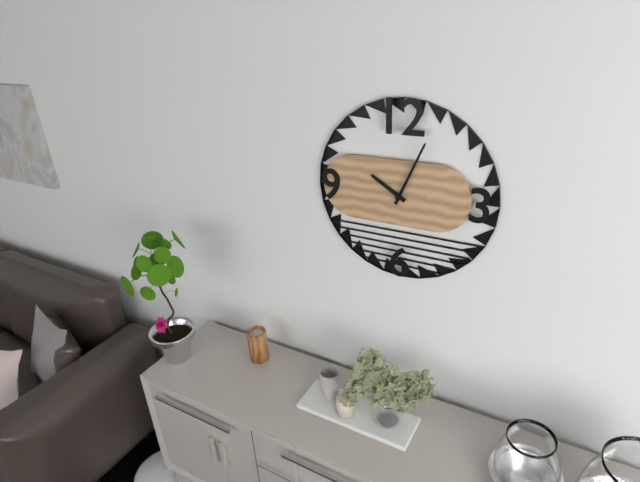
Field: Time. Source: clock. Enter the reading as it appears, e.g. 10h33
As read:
10h04
